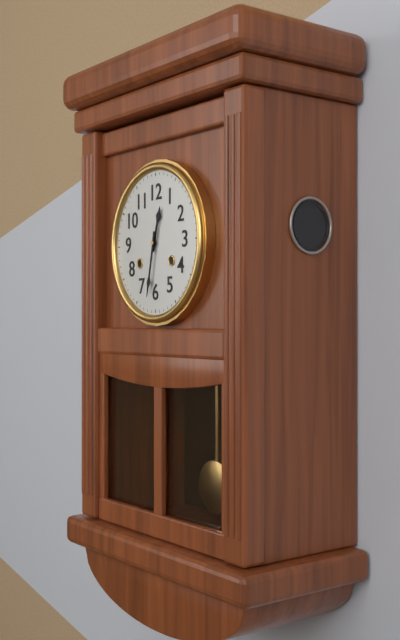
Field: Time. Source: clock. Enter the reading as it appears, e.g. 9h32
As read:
12h32
